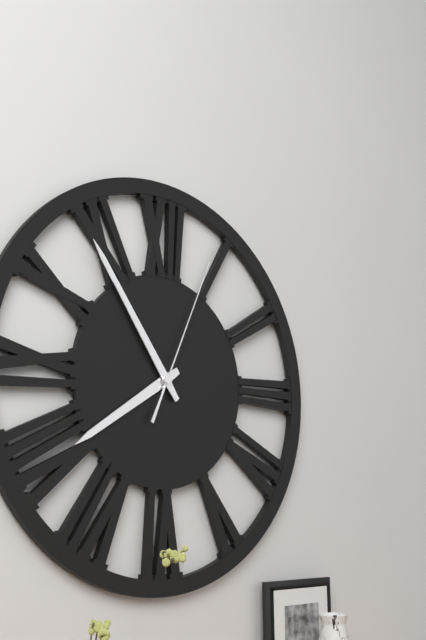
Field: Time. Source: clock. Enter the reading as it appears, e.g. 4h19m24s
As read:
7h54m04s
